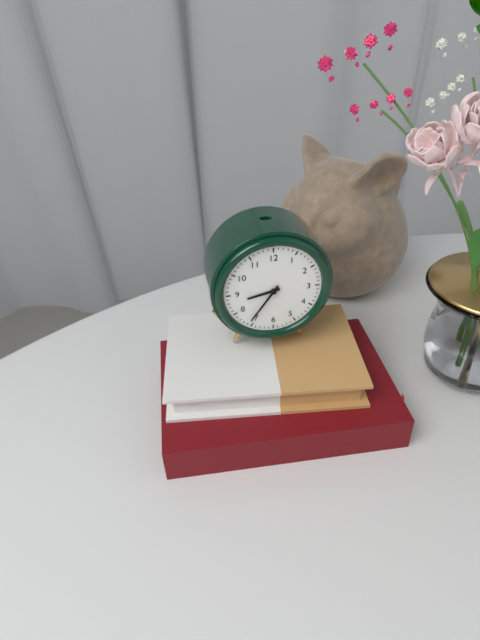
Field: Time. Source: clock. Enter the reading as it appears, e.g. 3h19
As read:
8h36
